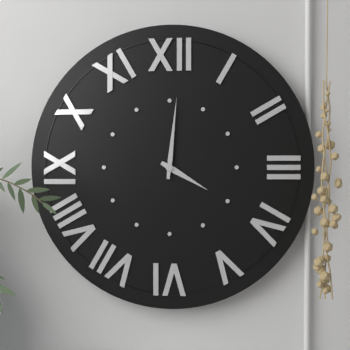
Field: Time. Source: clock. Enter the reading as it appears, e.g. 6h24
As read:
4h01
